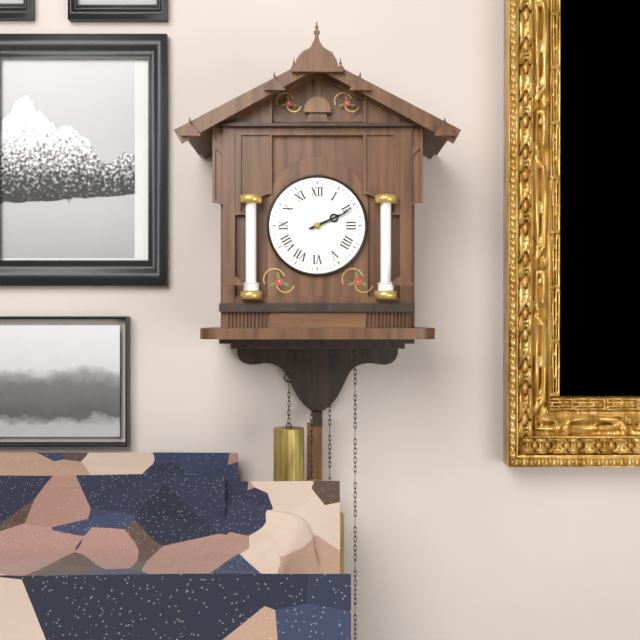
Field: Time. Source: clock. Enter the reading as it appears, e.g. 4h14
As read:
2h11
